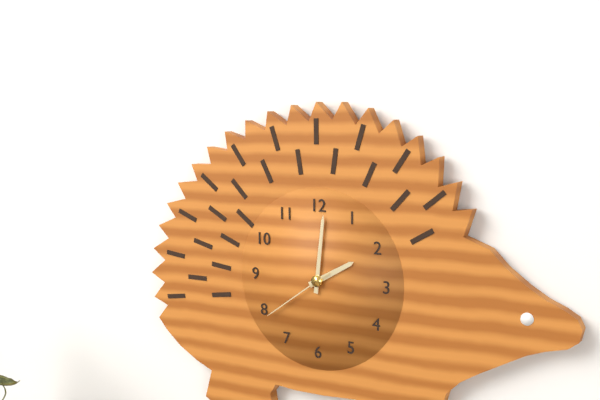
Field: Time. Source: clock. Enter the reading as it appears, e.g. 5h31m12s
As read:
2h01m39s
